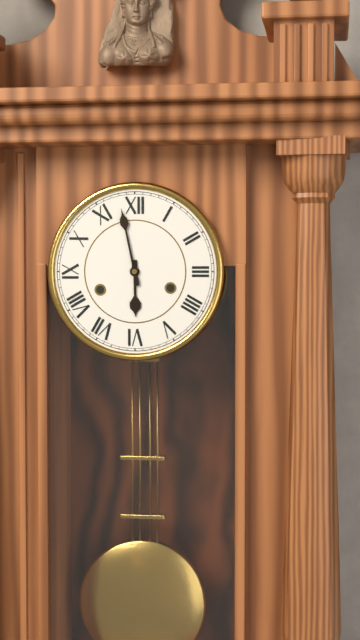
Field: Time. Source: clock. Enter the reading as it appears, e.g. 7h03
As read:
5h58
